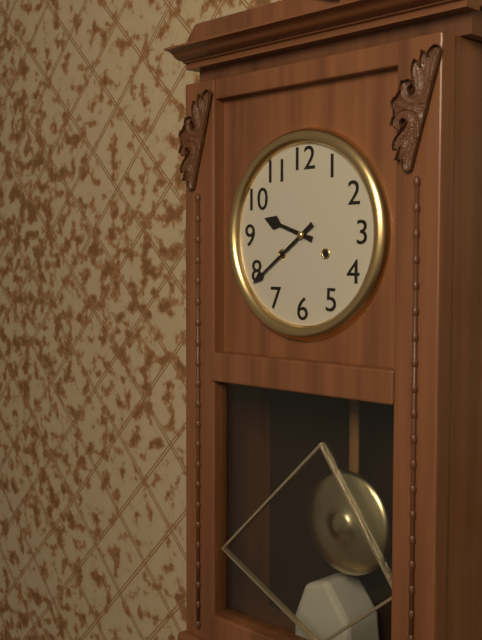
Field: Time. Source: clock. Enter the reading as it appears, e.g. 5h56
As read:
9h39
